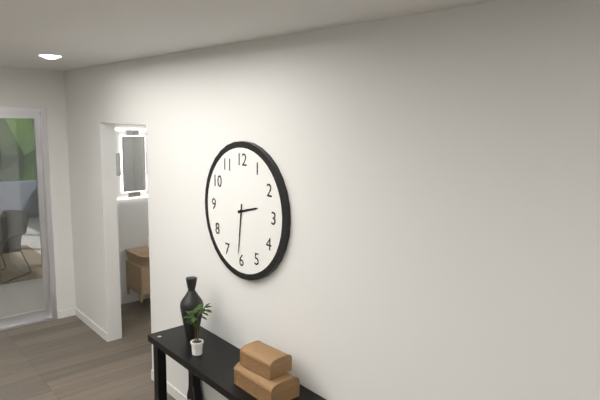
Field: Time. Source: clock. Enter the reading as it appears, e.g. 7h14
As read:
2h31
